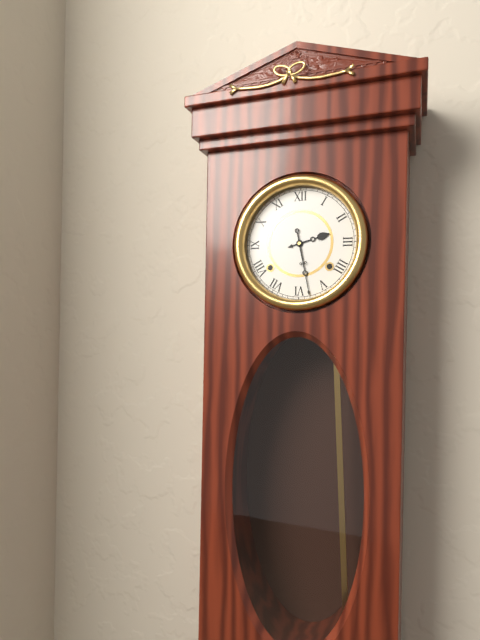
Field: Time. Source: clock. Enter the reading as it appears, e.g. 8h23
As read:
2h28
